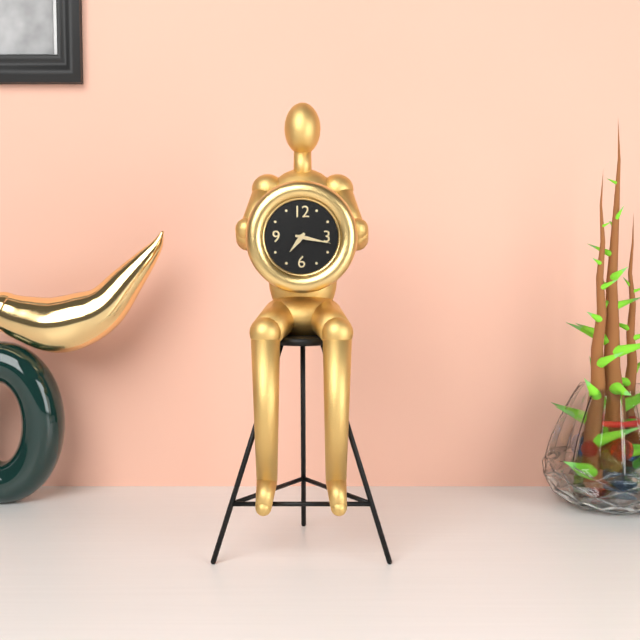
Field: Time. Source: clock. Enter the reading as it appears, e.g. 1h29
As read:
7h17
